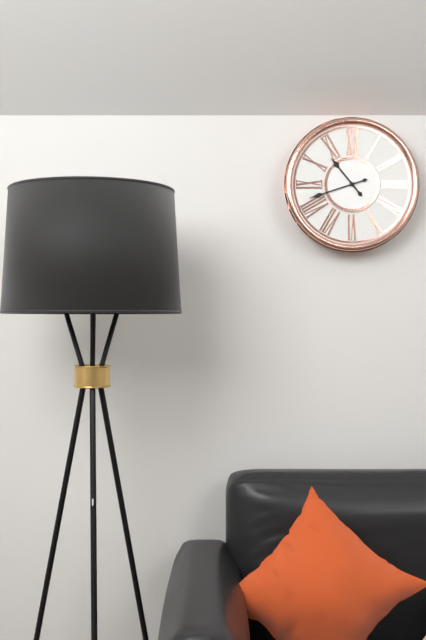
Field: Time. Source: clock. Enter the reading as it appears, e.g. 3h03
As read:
10h42
